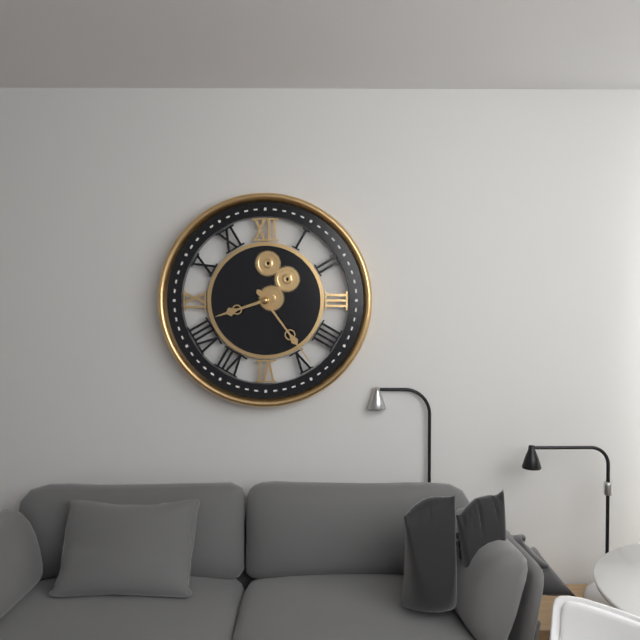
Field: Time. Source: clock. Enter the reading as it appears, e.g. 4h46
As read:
8h24
